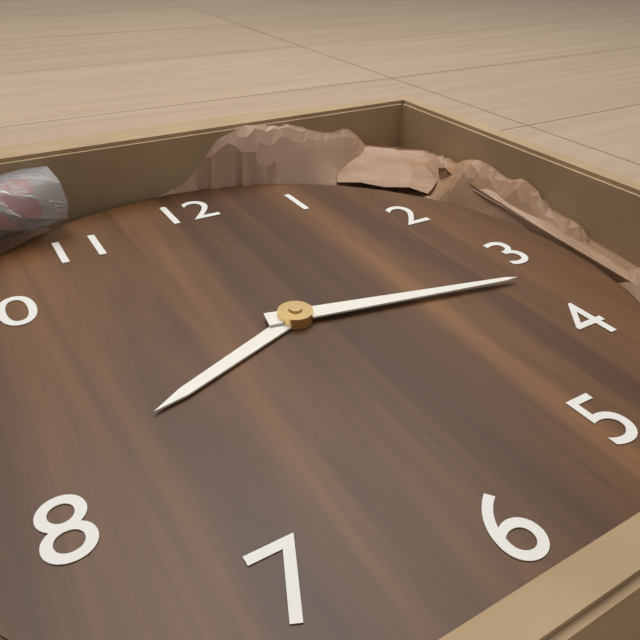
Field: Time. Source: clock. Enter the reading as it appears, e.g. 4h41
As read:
8h17
